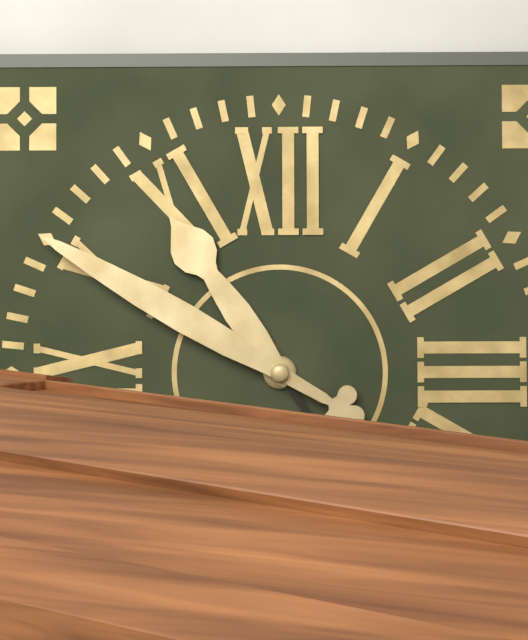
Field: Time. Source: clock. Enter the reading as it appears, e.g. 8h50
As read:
10h50
